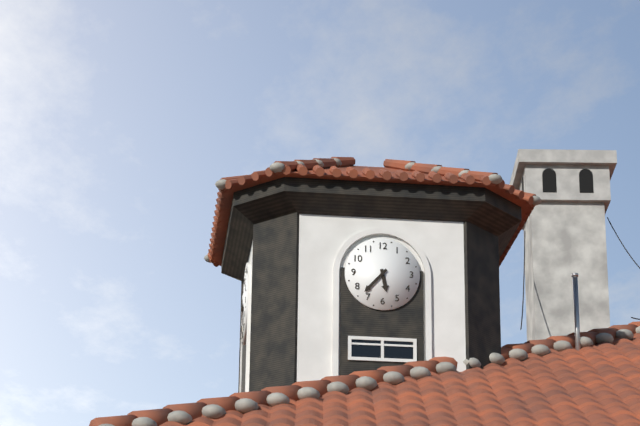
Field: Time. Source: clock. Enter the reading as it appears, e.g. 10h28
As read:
5h37
